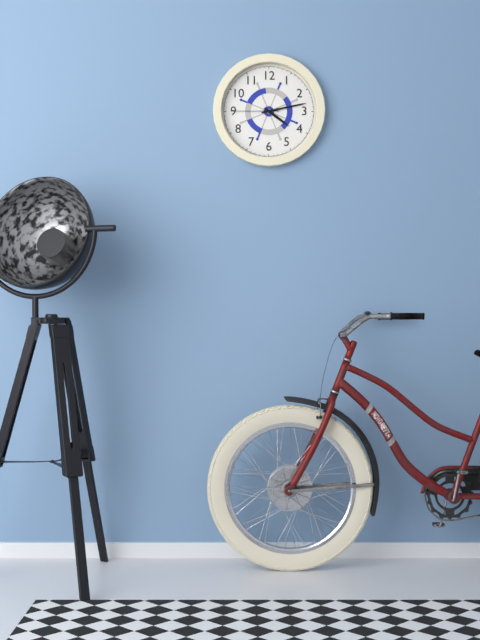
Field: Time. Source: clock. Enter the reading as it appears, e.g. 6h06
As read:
4h13
